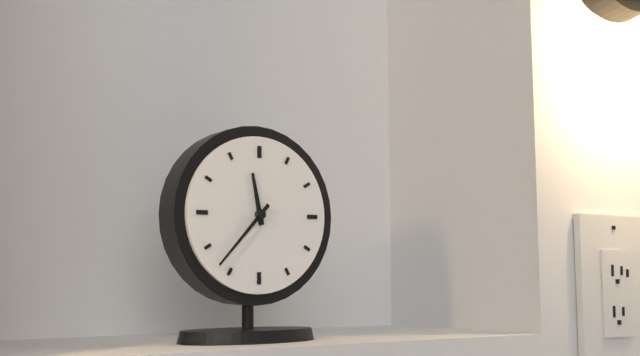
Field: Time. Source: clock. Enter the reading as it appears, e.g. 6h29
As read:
11h37
